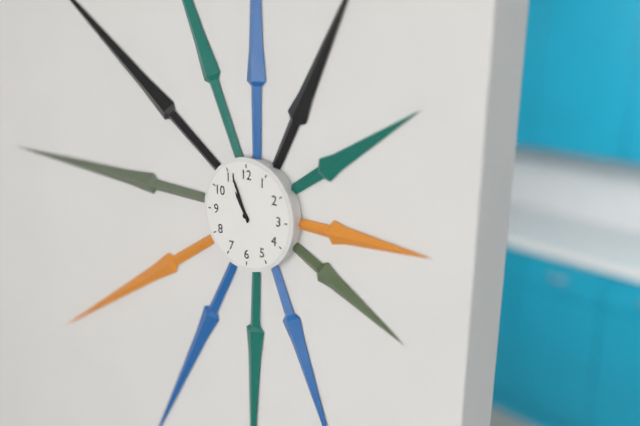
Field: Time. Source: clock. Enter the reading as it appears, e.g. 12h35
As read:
10h56
